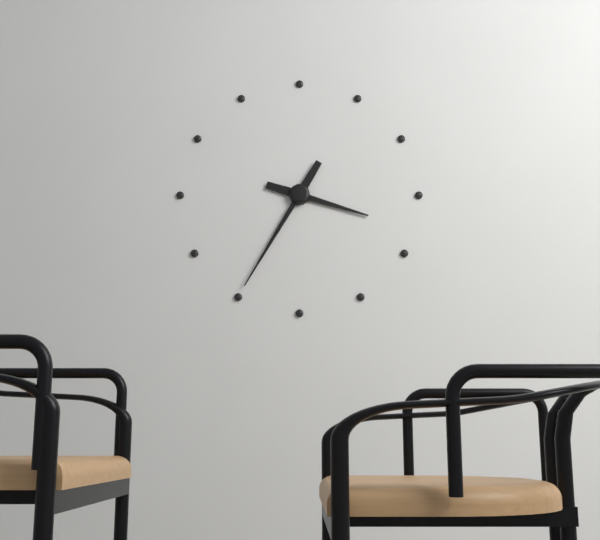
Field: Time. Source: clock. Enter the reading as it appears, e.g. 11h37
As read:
3h35
